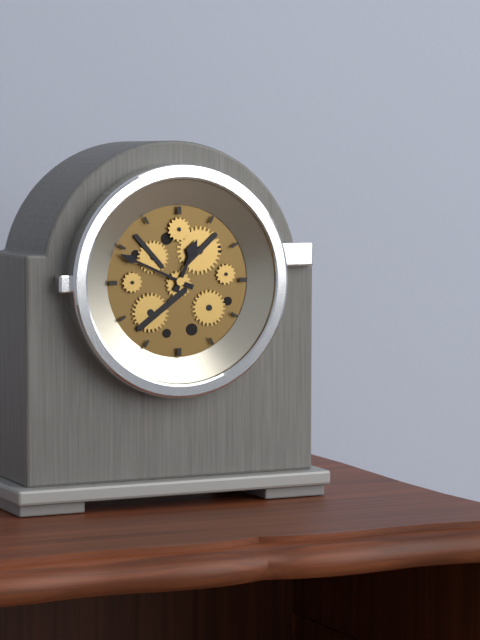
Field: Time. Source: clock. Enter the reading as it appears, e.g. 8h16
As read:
12h49
